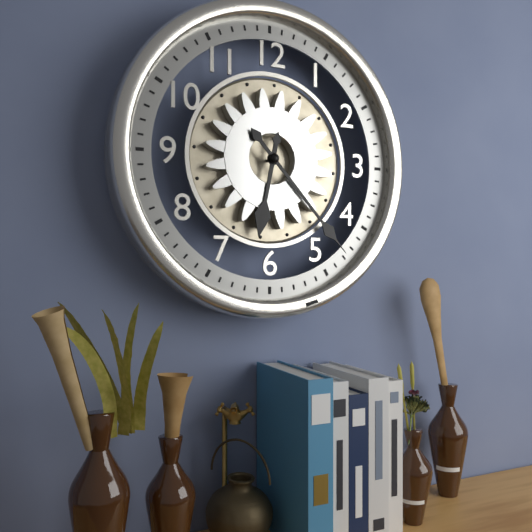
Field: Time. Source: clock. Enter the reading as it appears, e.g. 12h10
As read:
6h23
